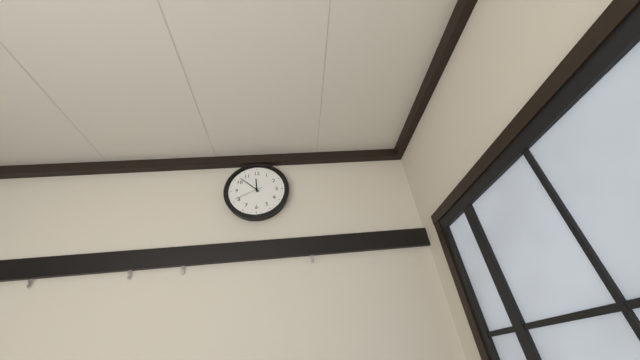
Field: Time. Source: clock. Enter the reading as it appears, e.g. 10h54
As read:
11h52
